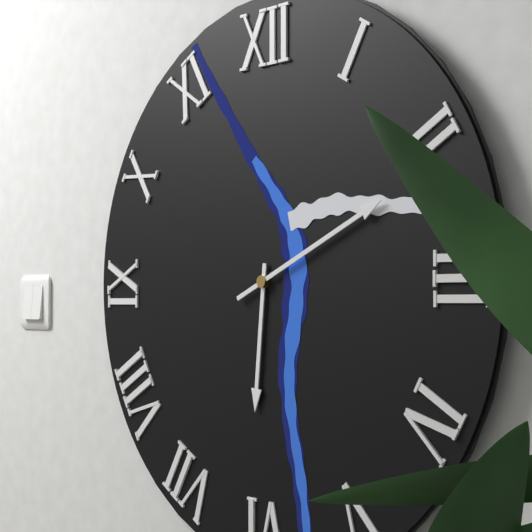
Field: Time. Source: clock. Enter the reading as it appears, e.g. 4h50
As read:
6h11
